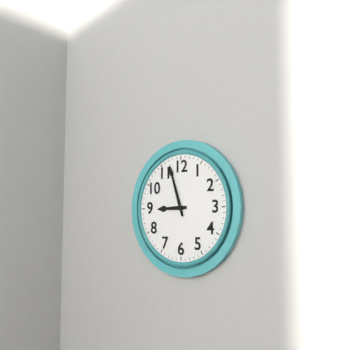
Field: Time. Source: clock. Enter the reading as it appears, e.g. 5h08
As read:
8h57
